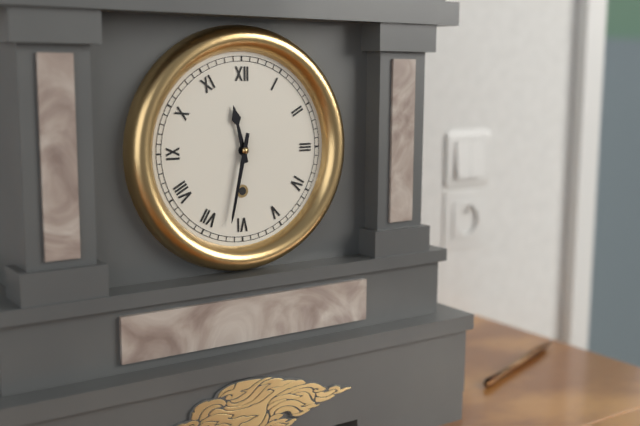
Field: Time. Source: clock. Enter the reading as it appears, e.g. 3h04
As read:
11h32
